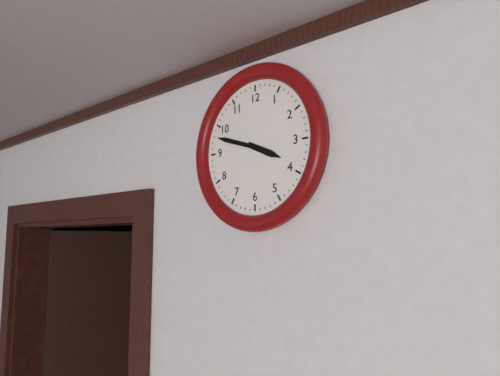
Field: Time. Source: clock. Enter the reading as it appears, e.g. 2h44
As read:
3h48
